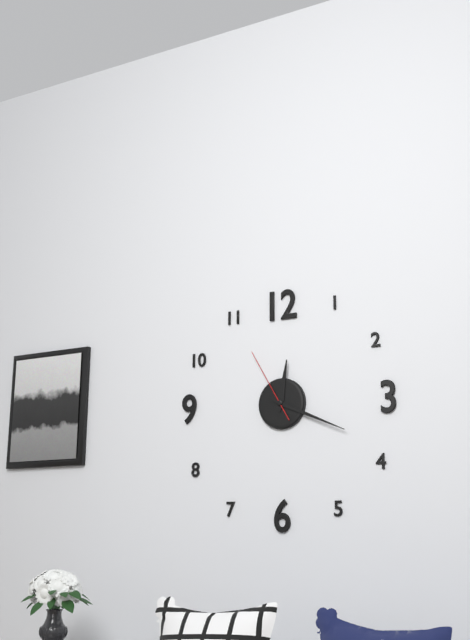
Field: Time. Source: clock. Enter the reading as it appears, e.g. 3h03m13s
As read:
12h19m55s
